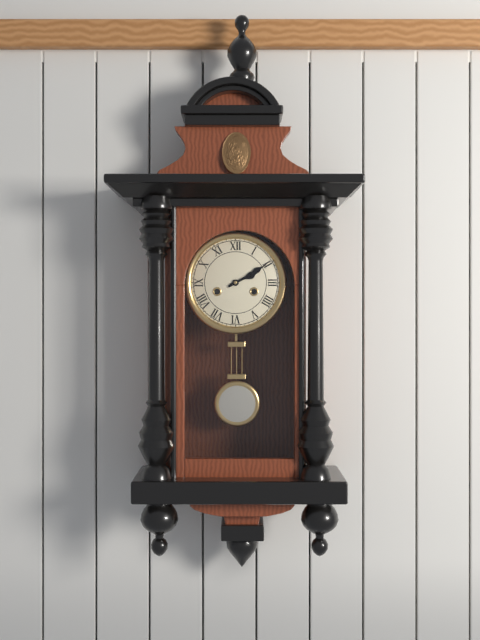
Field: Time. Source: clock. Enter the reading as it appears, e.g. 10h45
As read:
2h10
